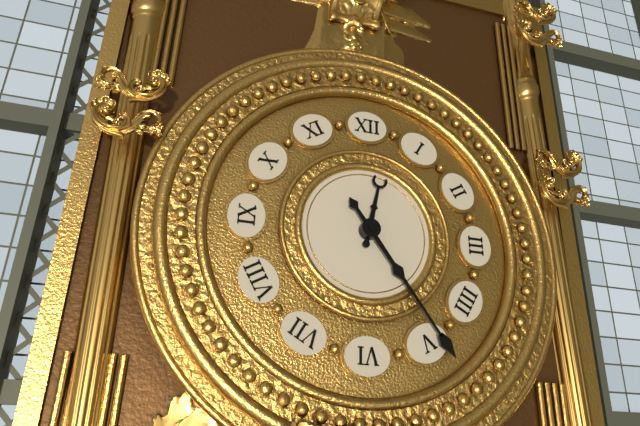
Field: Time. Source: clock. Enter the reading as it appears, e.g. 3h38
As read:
12h24
